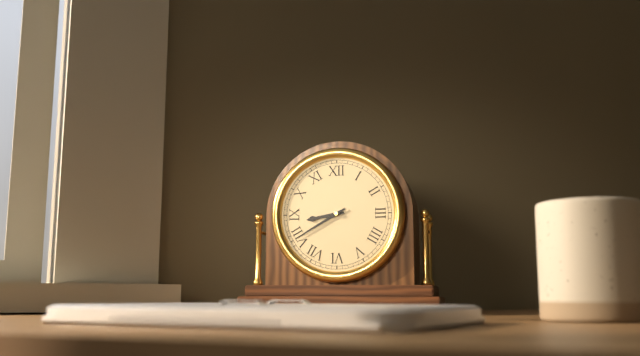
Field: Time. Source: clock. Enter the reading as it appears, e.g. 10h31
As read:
8h40
